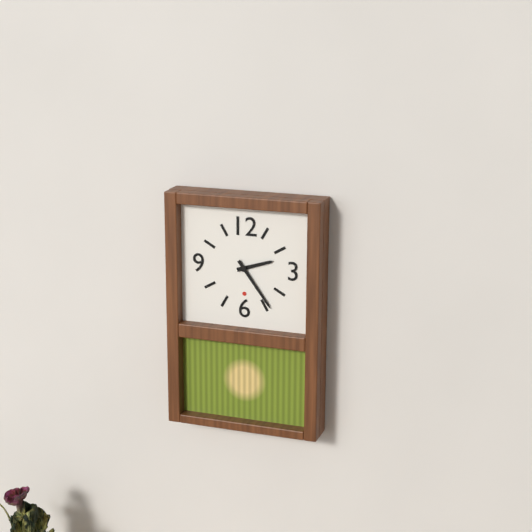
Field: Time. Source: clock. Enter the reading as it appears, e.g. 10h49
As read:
2h24
